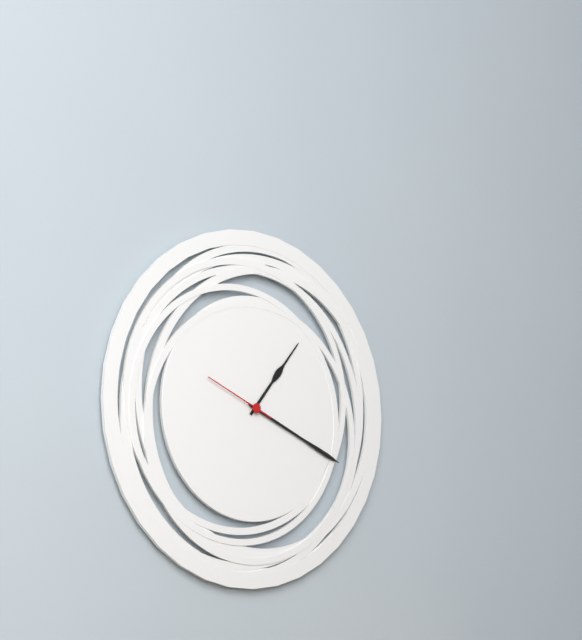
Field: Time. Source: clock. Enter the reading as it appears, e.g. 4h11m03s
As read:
1h19m49s
